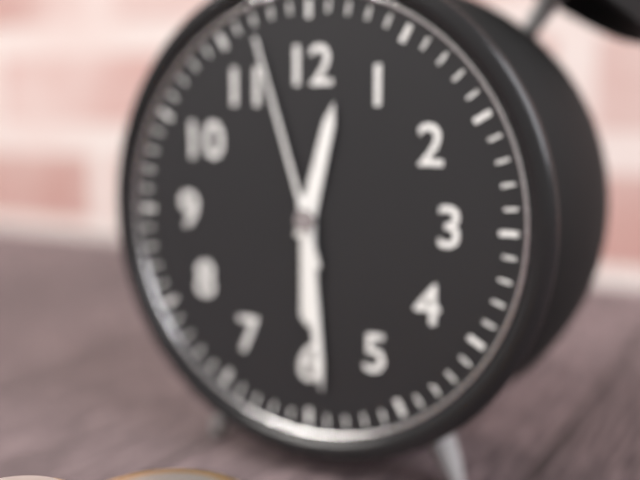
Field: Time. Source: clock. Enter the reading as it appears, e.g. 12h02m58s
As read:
12h29m57s
